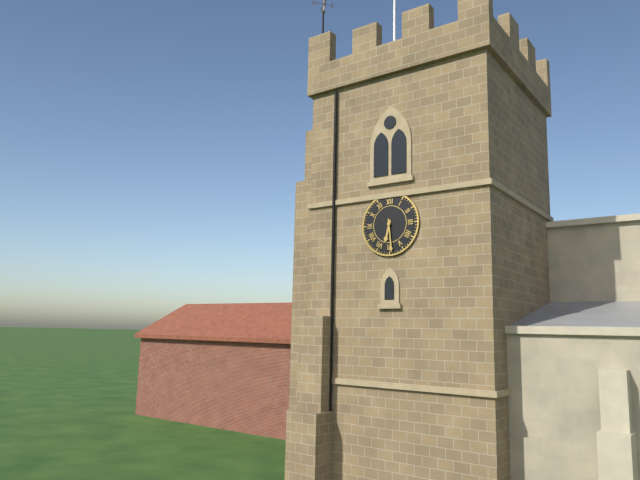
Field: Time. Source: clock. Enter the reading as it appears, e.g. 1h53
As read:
6h29
